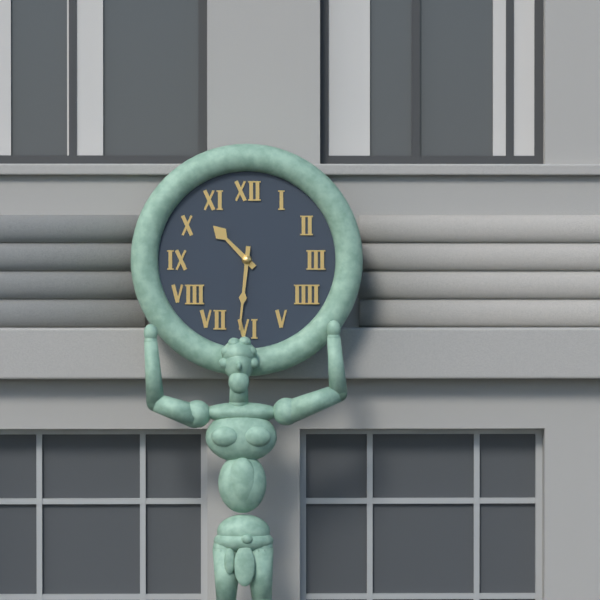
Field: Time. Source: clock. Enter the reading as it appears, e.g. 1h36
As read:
10h31
